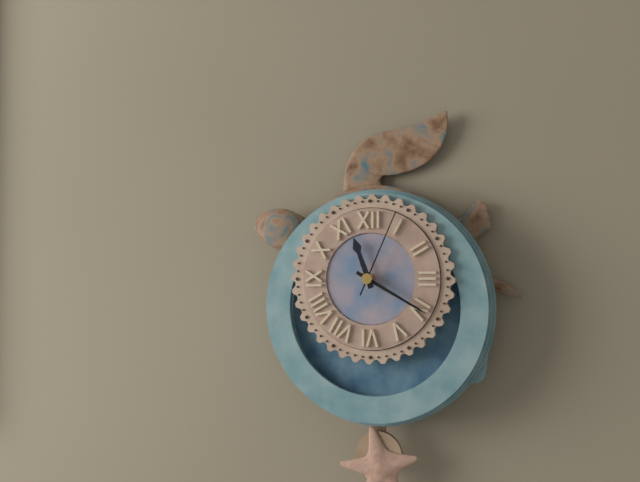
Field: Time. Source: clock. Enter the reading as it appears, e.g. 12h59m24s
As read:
11h20m04s
